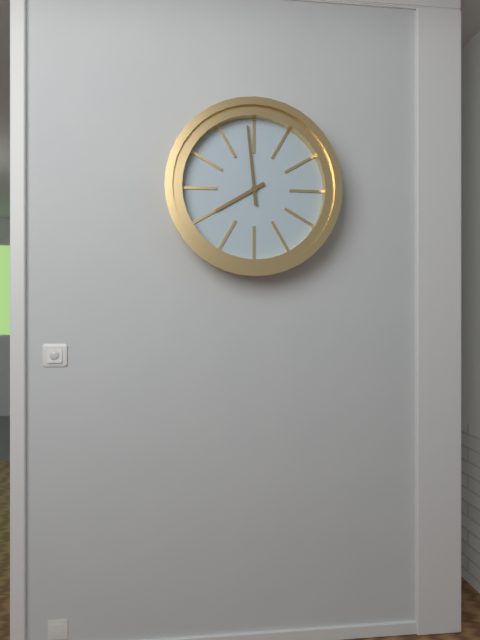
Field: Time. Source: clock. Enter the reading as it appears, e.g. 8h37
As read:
7h59
